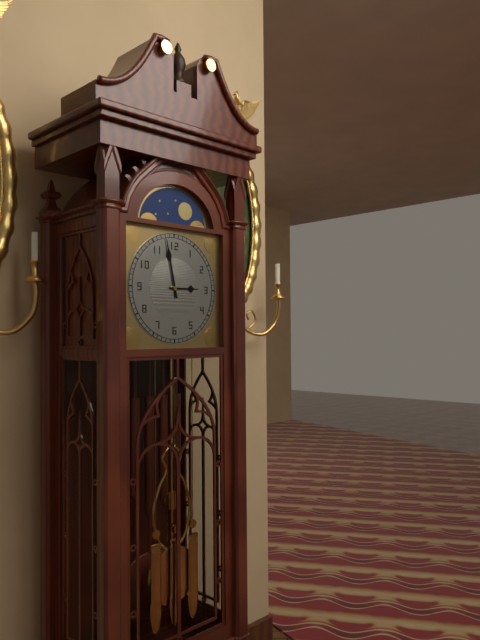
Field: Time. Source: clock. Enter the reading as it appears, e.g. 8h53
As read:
2h58
